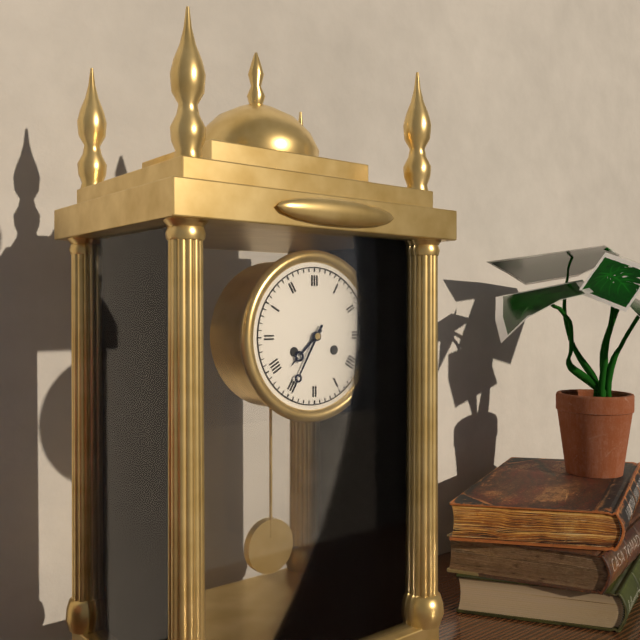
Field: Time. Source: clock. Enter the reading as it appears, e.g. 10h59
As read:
7h35
